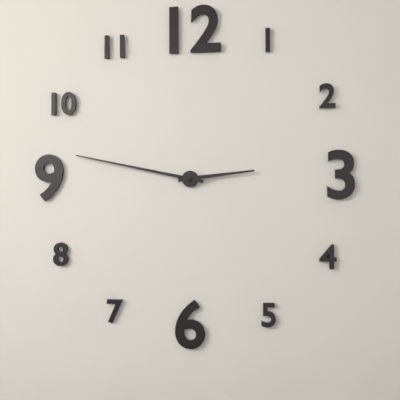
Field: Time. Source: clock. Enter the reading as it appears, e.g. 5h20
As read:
2h47
